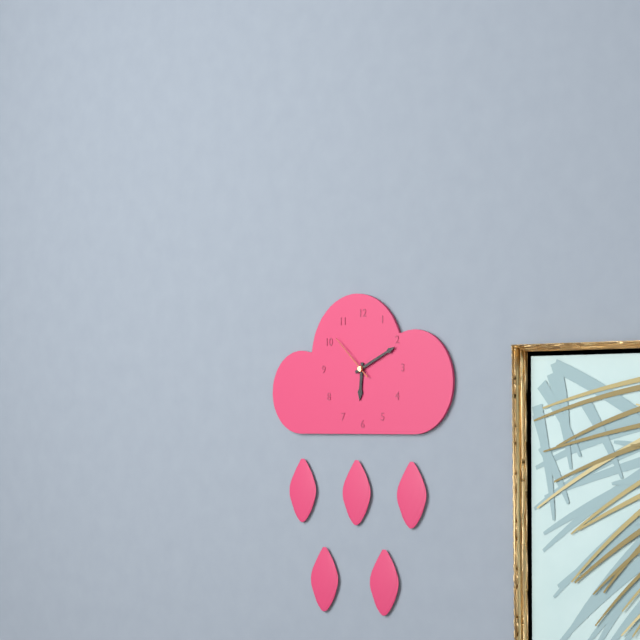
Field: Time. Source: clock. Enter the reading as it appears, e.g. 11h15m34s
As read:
6h11m52s
